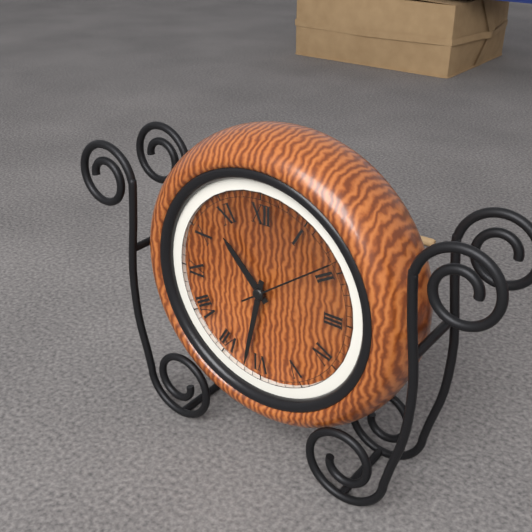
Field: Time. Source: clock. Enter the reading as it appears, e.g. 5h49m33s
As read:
10h32m09s
